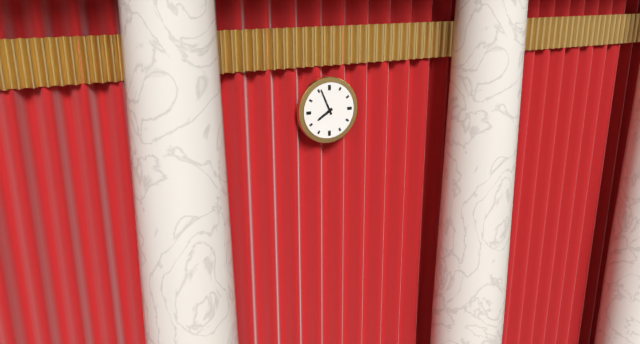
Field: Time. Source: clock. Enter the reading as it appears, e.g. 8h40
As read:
7h56
